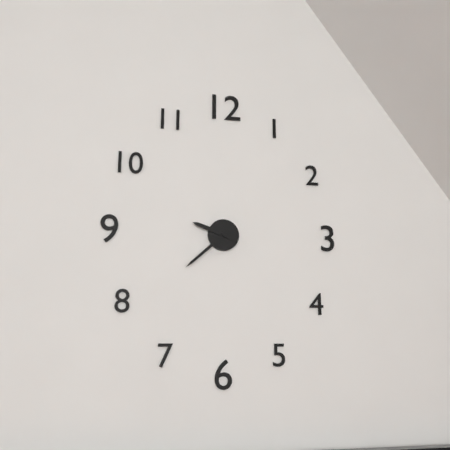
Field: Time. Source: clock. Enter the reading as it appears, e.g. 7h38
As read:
9h38
